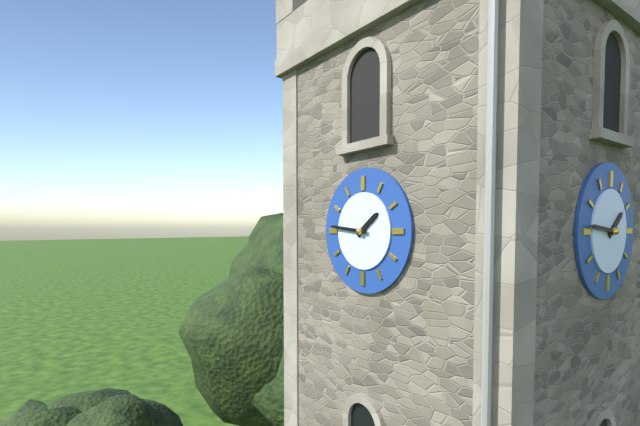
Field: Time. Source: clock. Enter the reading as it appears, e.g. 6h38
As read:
1h46
